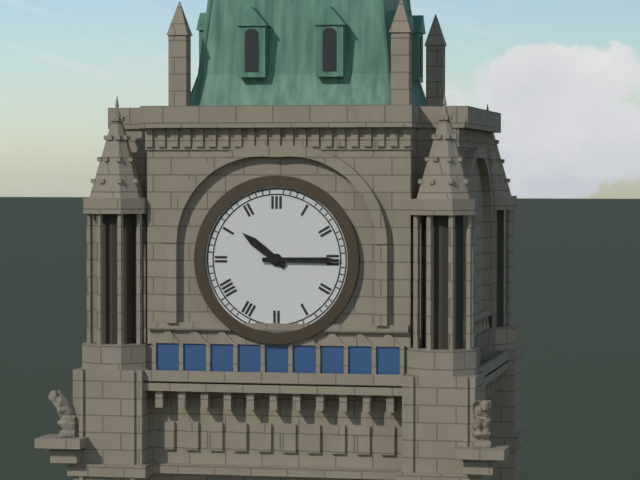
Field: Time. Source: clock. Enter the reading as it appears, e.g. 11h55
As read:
10h15
